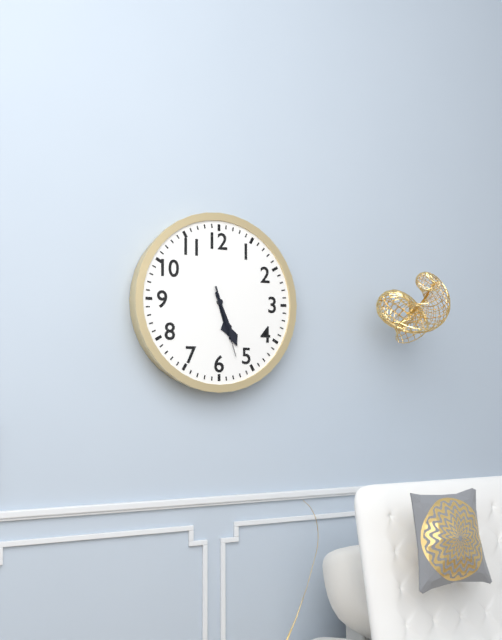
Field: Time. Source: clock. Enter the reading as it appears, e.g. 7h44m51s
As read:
5h26m27s
